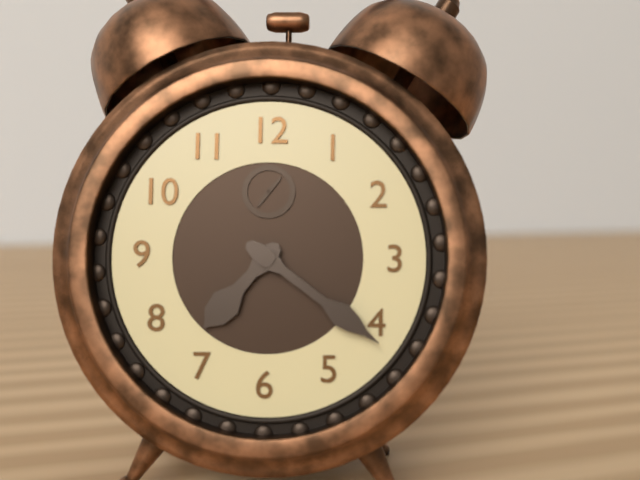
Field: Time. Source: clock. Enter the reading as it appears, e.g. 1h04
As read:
7h21
